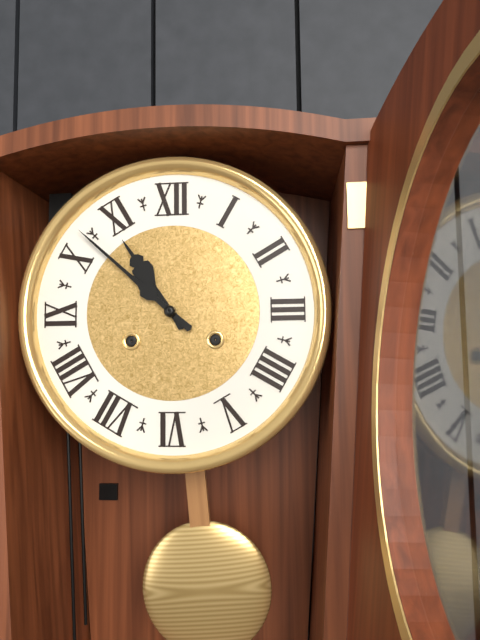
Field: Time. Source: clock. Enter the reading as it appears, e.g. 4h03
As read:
10h52
